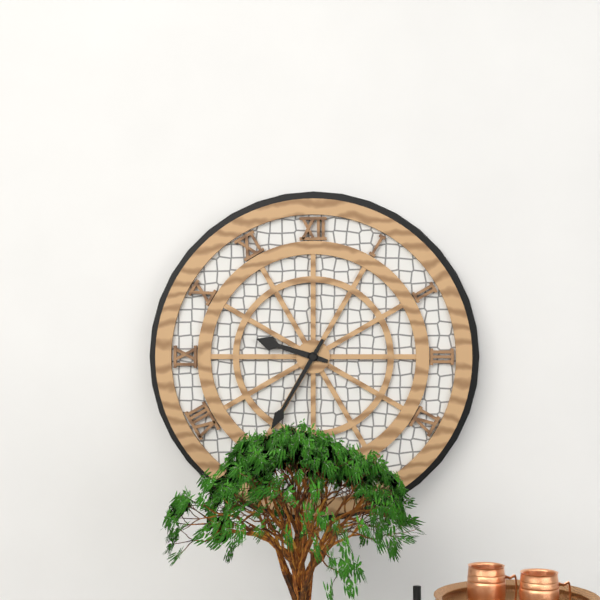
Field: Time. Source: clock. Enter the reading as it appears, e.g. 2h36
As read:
9h35
